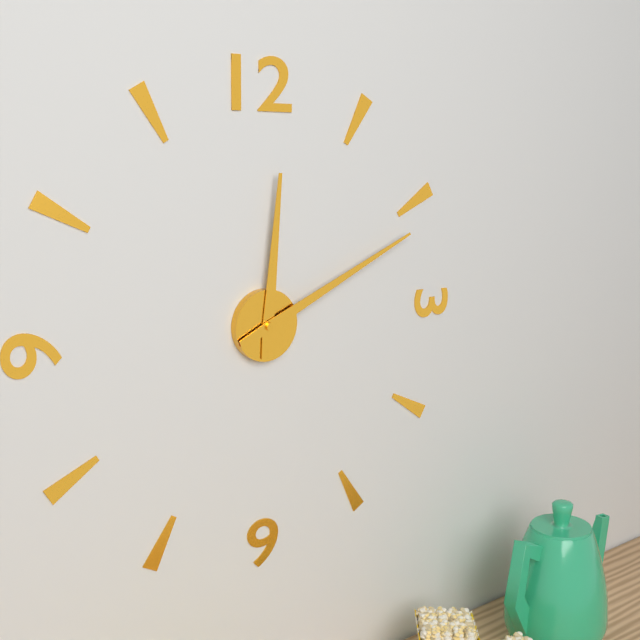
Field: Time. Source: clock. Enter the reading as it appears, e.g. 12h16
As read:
12h11
